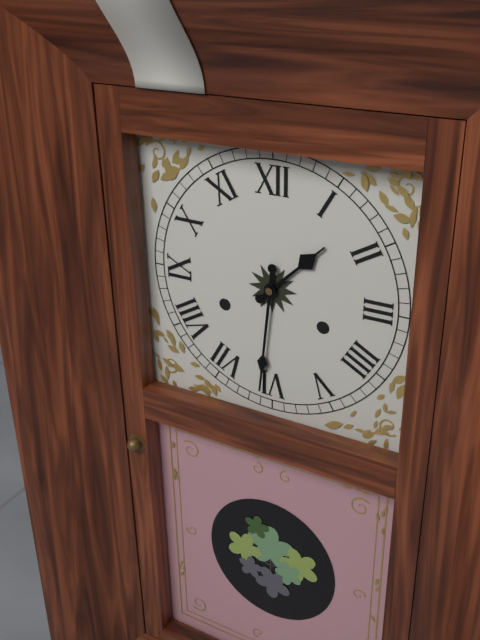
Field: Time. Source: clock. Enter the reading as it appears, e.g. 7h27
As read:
1h31
